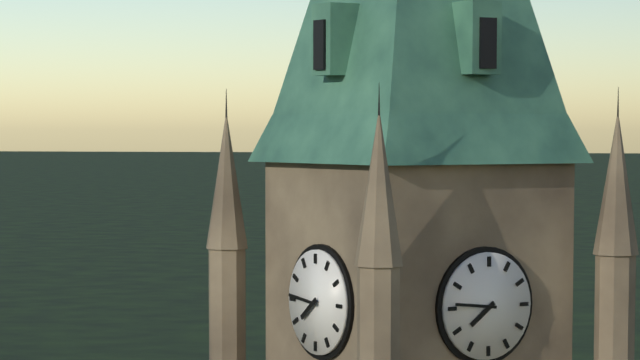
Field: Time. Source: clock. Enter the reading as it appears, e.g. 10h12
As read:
7h46
